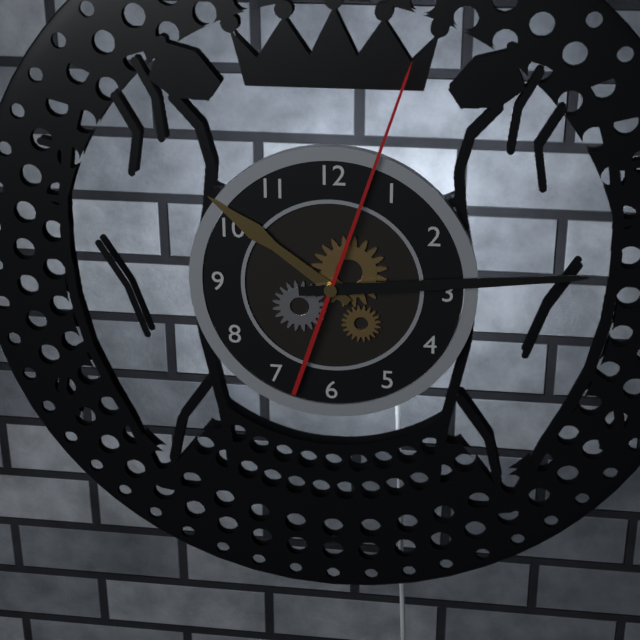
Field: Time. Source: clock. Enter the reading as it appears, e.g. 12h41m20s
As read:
10h14m03s
